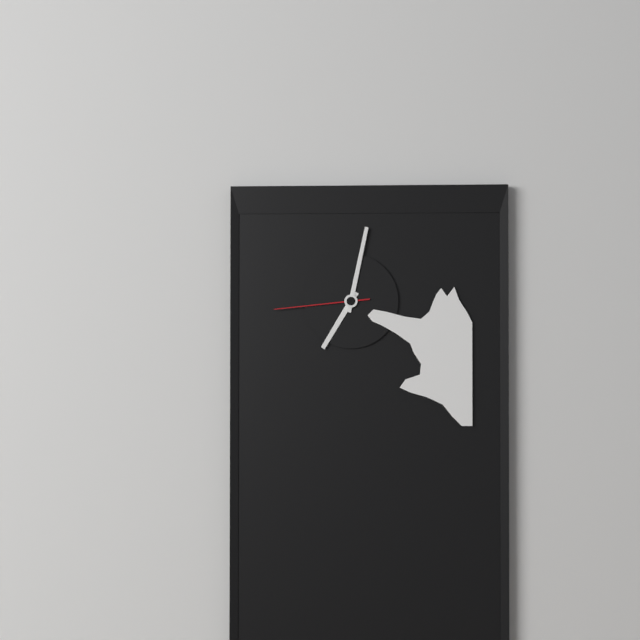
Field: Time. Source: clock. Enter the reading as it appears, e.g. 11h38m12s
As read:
7h02m44s
